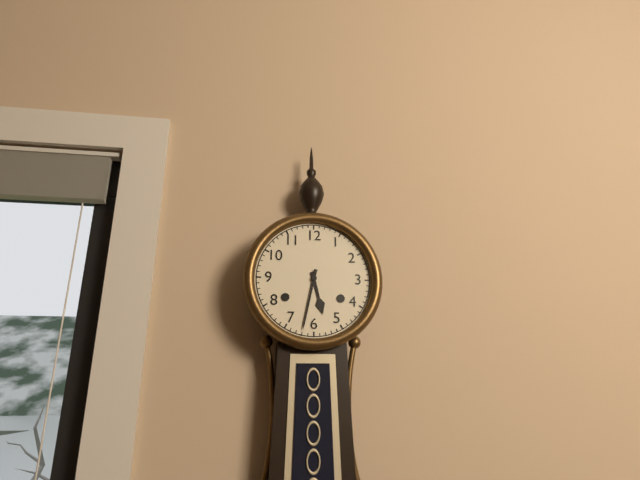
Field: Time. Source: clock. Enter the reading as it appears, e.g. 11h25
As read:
5h32
